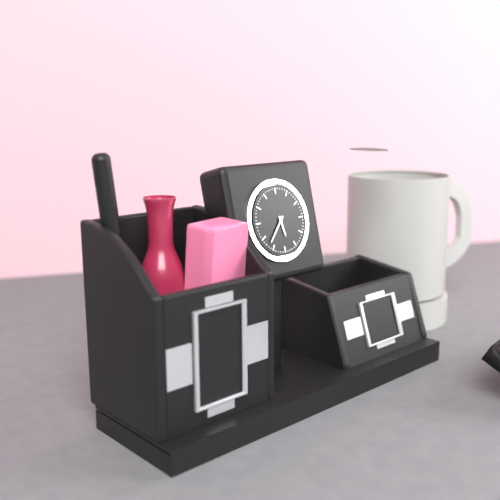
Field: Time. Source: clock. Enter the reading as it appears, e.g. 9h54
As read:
5h37
